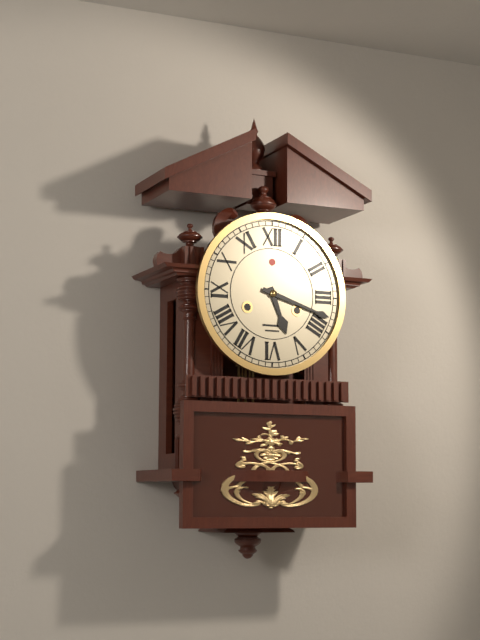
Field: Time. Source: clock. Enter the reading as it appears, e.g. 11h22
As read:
5h18
